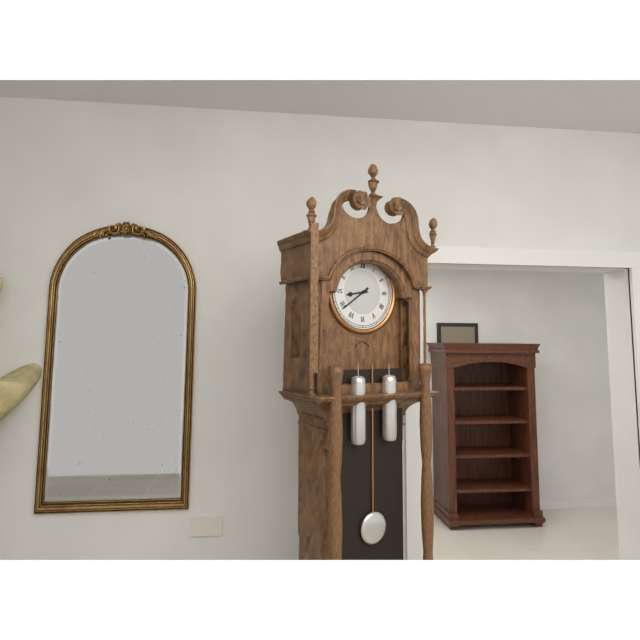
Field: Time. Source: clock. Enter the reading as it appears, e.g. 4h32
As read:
8h39
